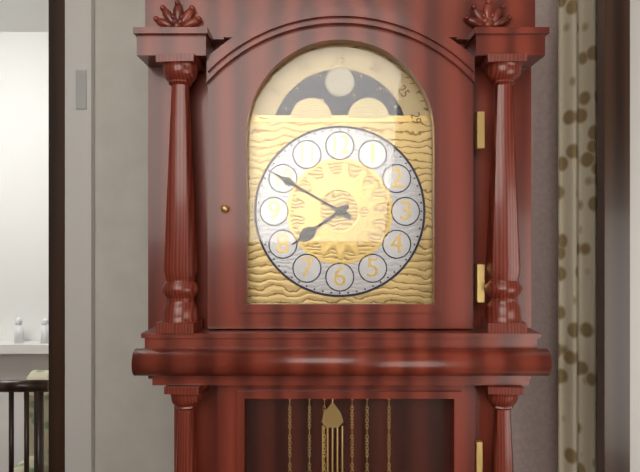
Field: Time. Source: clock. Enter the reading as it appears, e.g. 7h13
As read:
7h50
